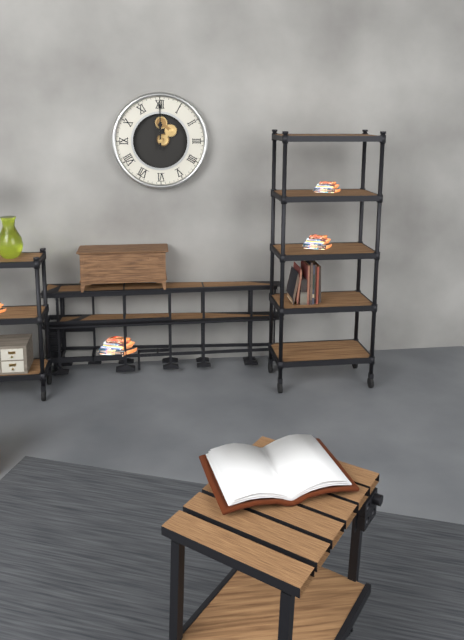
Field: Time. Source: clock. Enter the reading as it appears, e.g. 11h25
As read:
12h00
